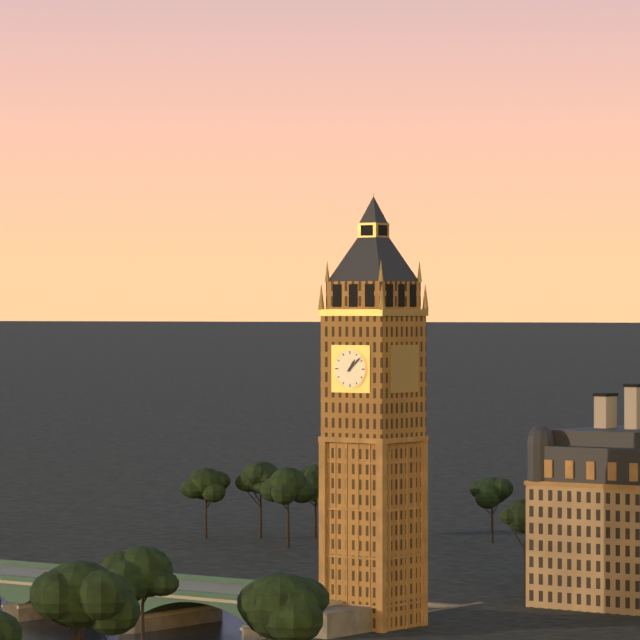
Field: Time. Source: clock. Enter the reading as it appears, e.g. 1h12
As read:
1h08
